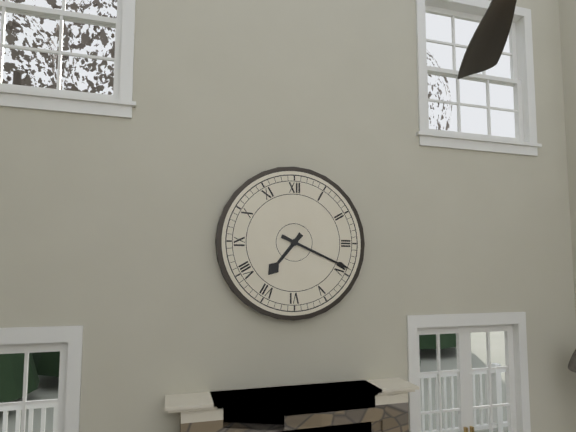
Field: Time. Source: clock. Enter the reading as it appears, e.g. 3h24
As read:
7h19
